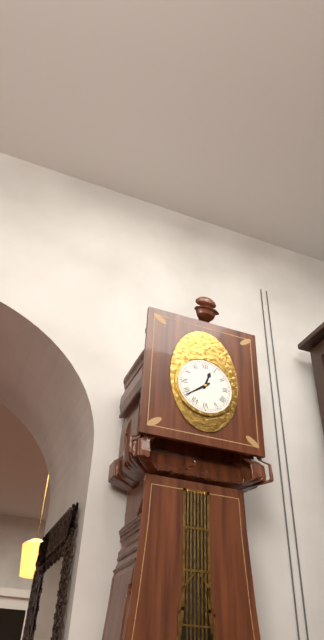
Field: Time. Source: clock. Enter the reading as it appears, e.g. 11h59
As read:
12h39
